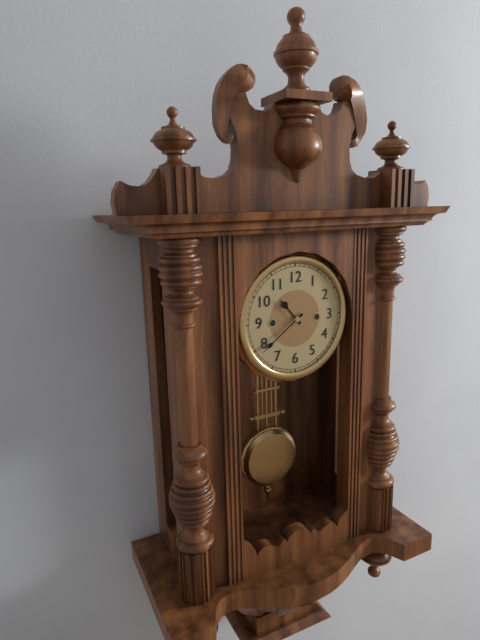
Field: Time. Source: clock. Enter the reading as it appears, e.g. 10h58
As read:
10h39
